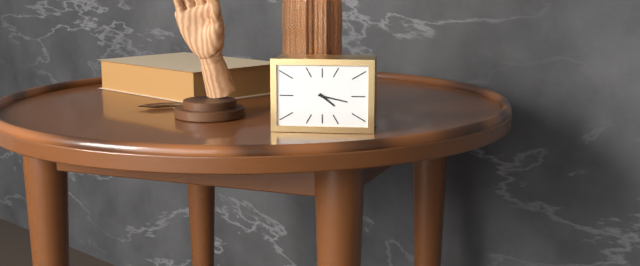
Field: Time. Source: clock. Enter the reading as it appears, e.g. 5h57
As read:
4h17
